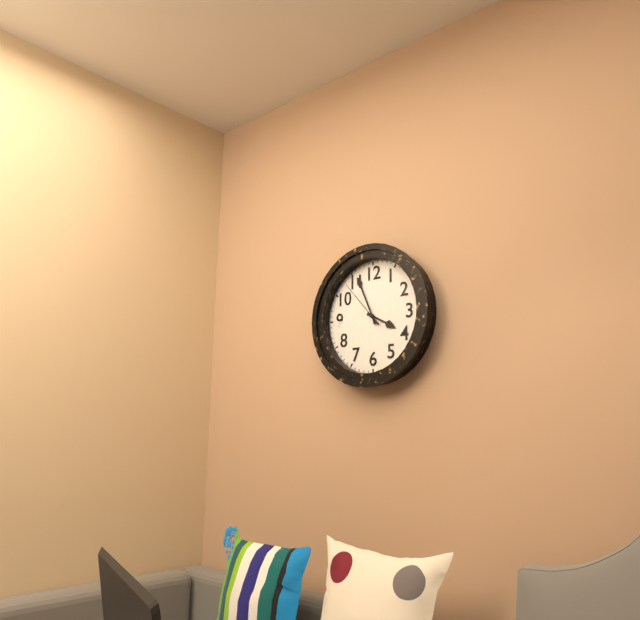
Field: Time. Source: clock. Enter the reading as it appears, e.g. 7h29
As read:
3h56
